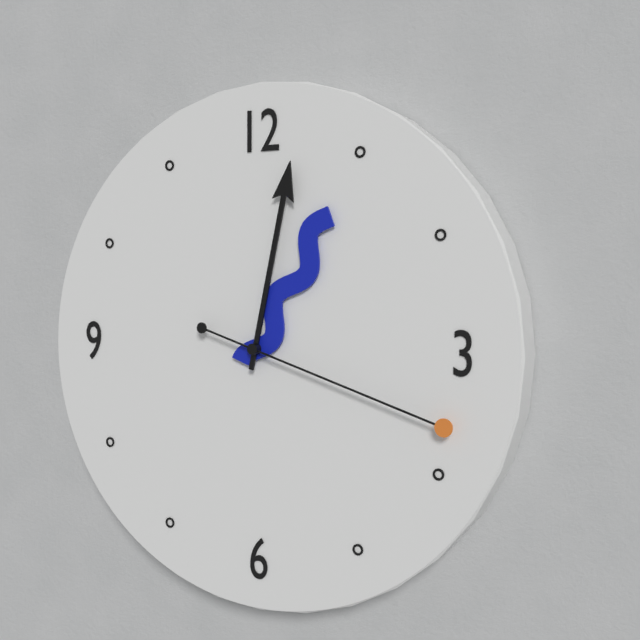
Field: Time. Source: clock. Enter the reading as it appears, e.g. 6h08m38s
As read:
1h02m18s
